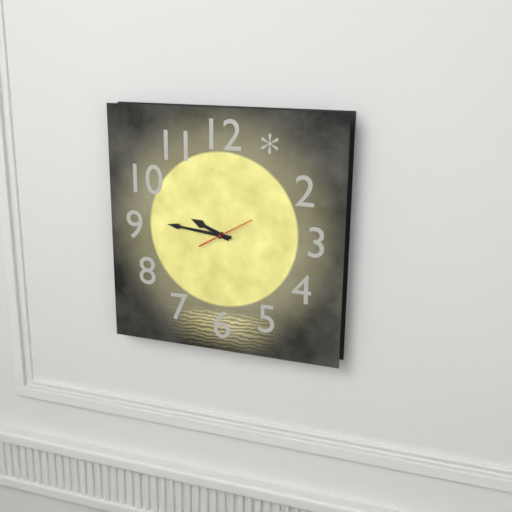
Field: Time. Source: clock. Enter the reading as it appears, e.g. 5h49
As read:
9h46
